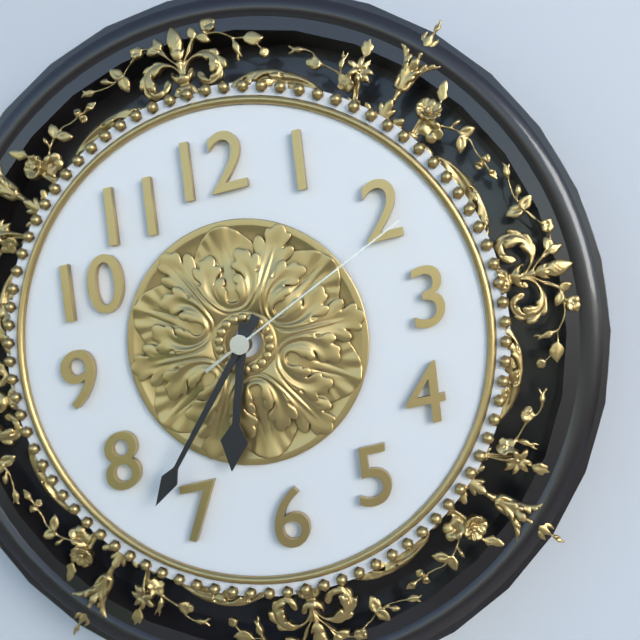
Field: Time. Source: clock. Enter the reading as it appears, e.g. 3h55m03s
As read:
6h37m11s
